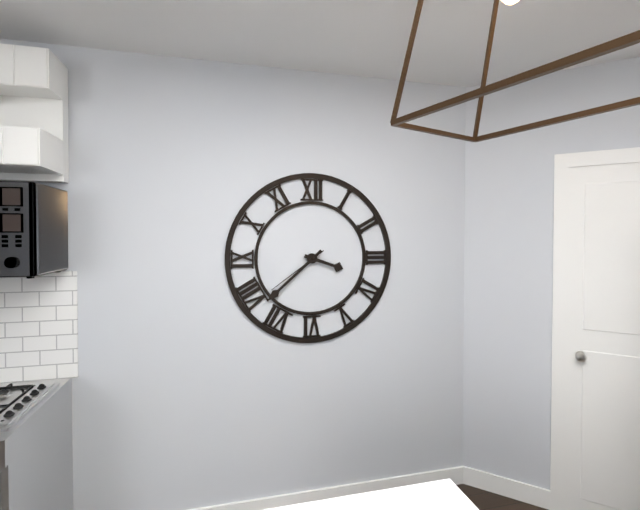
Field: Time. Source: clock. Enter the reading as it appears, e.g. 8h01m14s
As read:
3h38m39s
